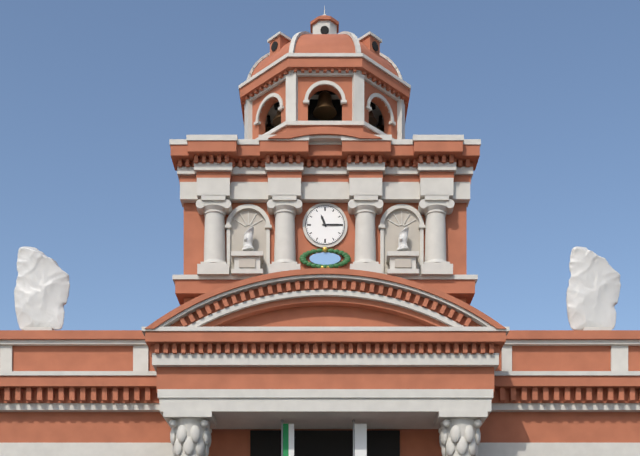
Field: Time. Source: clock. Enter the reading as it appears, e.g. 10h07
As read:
11h15
